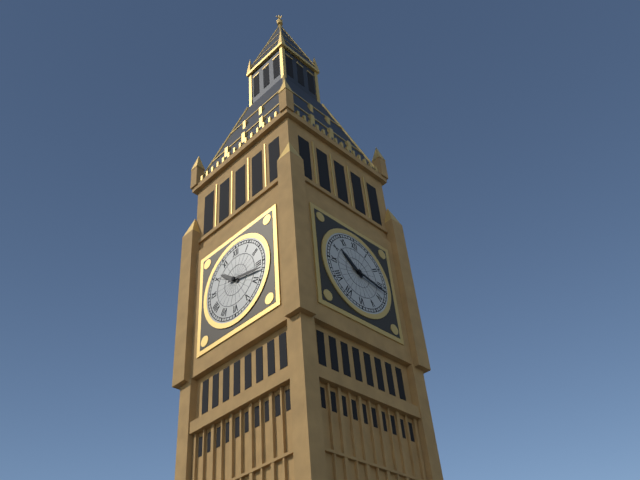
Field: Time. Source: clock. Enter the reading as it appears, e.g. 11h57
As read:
10h17
